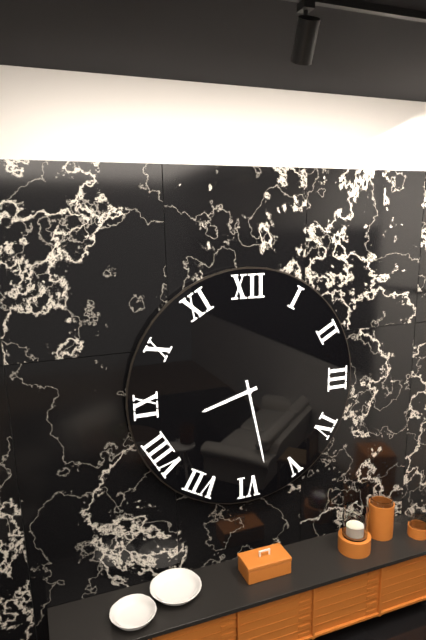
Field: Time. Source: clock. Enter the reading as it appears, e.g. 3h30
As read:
8h28
